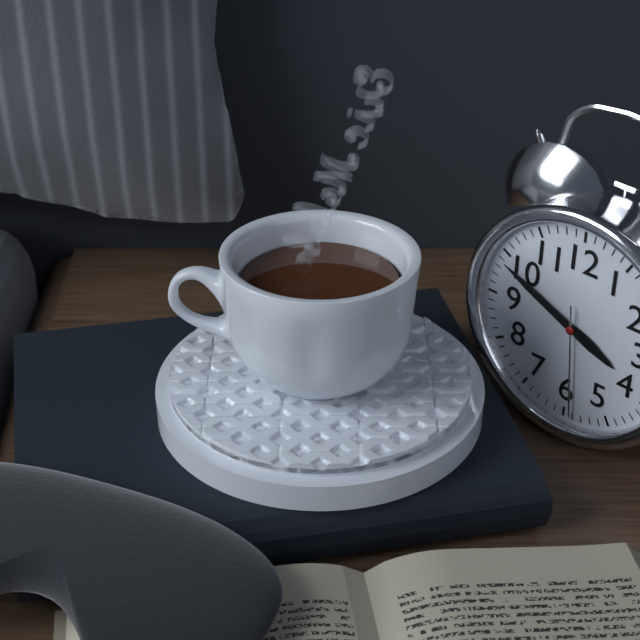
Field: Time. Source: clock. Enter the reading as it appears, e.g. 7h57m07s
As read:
3h49m29s
